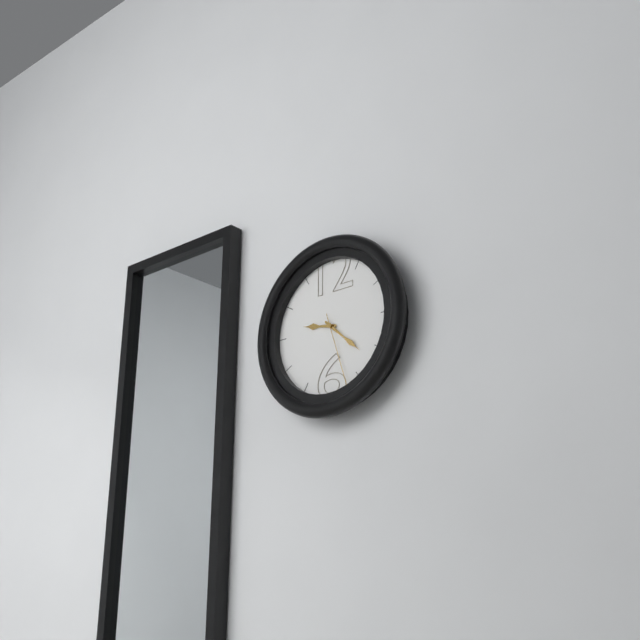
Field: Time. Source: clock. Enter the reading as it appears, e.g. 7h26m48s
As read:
9h22m27s
